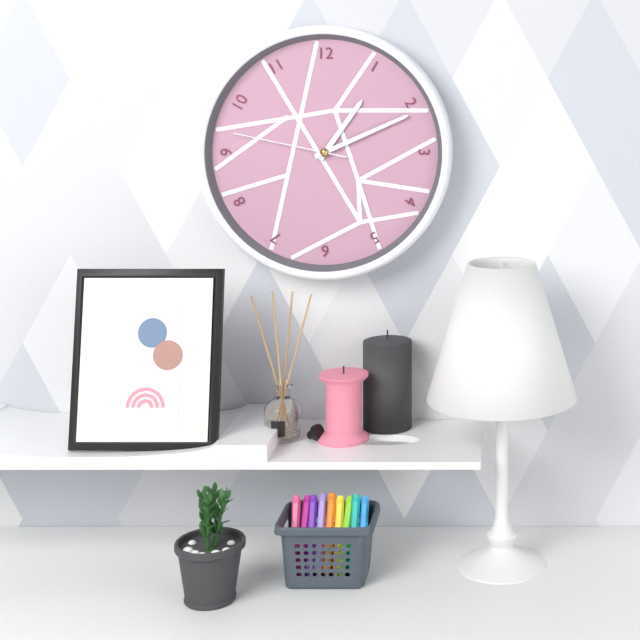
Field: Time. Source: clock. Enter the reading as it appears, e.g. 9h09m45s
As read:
1h11m47s
